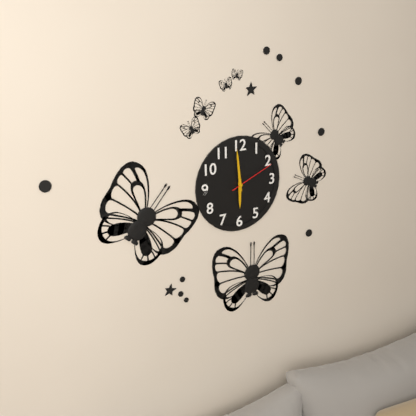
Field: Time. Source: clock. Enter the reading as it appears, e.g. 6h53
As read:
5h59
